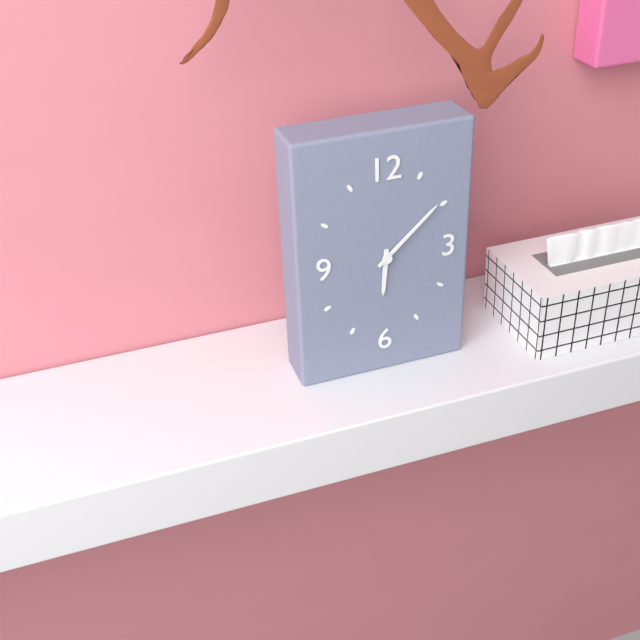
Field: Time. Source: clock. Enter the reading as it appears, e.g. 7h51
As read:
6h08
